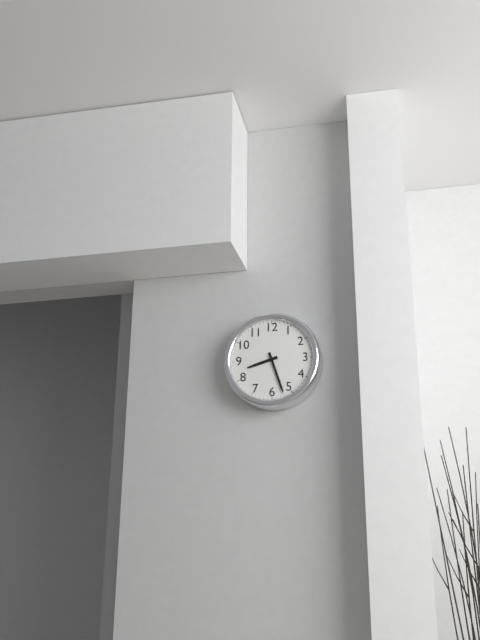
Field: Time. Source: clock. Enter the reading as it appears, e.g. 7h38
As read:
8h27
